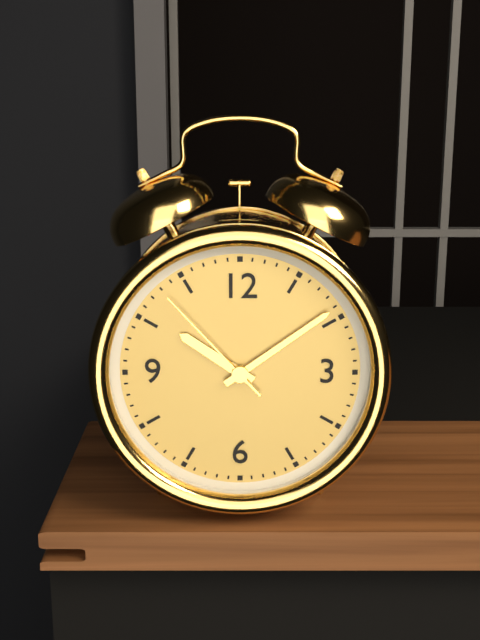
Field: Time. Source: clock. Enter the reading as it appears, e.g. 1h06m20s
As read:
10h09m53s
